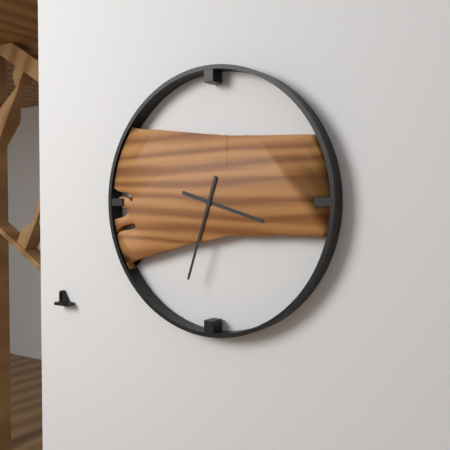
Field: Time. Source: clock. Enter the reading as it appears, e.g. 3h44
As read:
3h33
